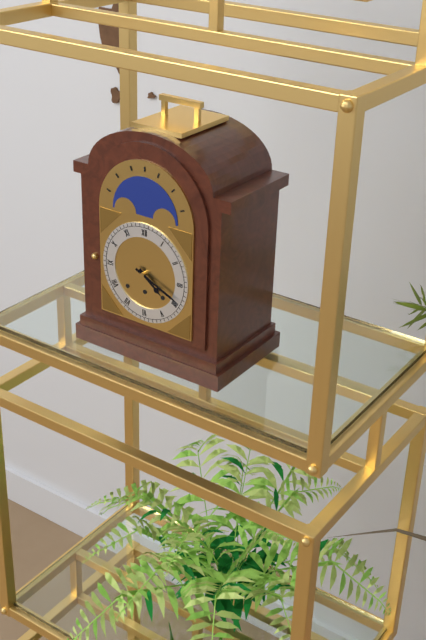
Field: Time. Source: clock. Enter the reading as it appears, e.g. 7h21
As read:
4h19
